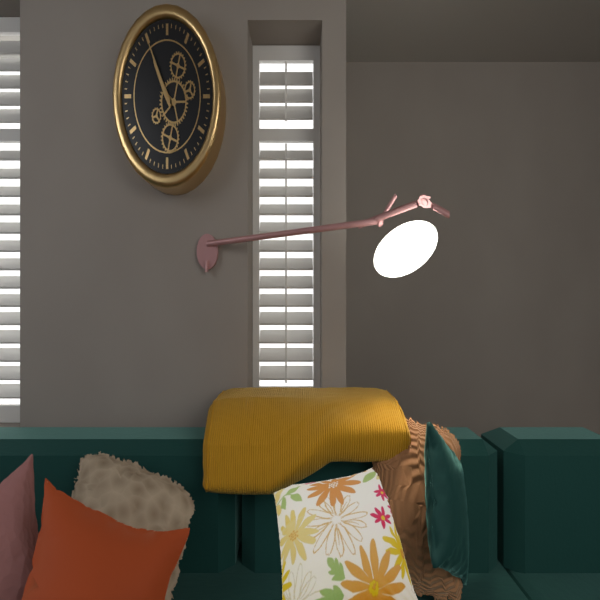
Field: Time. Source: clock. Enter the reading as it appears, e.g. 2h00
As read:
10h55
